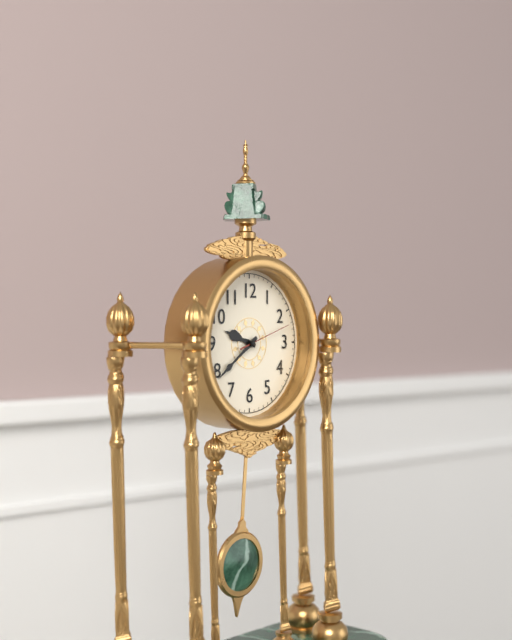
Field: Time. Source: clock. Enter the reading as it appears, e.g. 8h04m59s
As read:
9h39m12s
